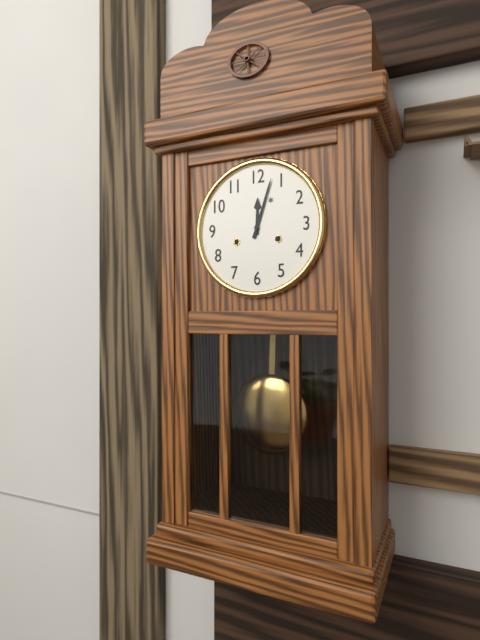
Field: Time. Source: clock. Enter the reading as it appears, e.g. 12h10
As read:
12h03
